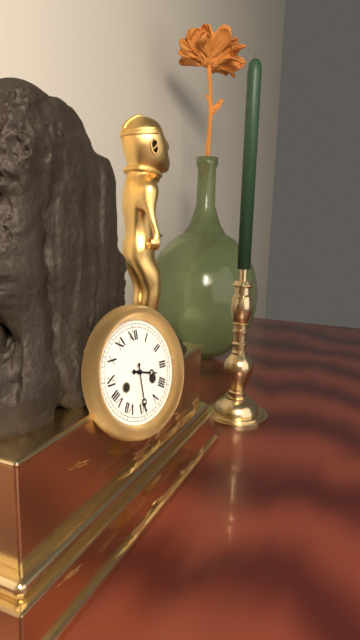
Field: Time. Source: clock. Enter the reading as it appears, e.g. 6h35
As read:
3h30
